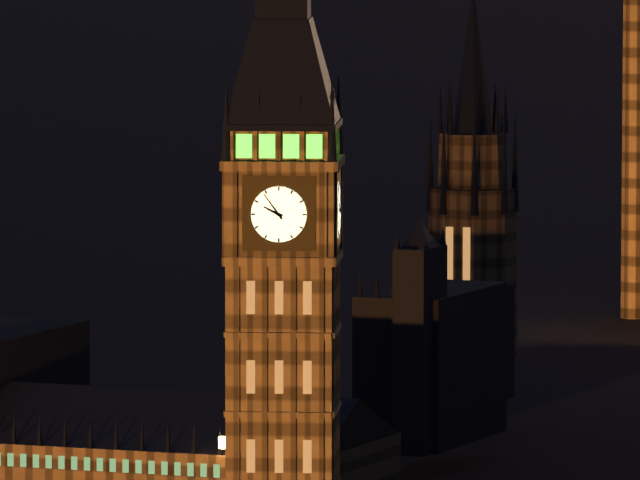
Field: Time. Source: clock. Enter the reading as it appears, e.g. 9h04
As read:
9h54
